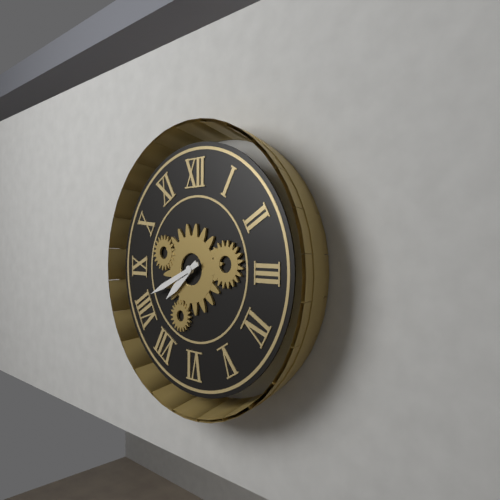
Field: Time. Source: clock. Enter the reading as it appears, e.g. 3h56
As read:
7h41
